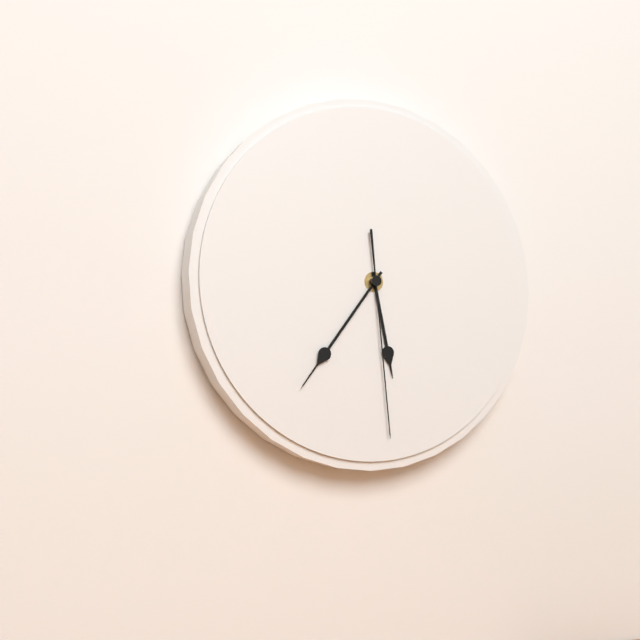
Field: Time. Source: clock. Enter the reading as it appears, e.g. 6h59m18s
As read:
5h36m29s
